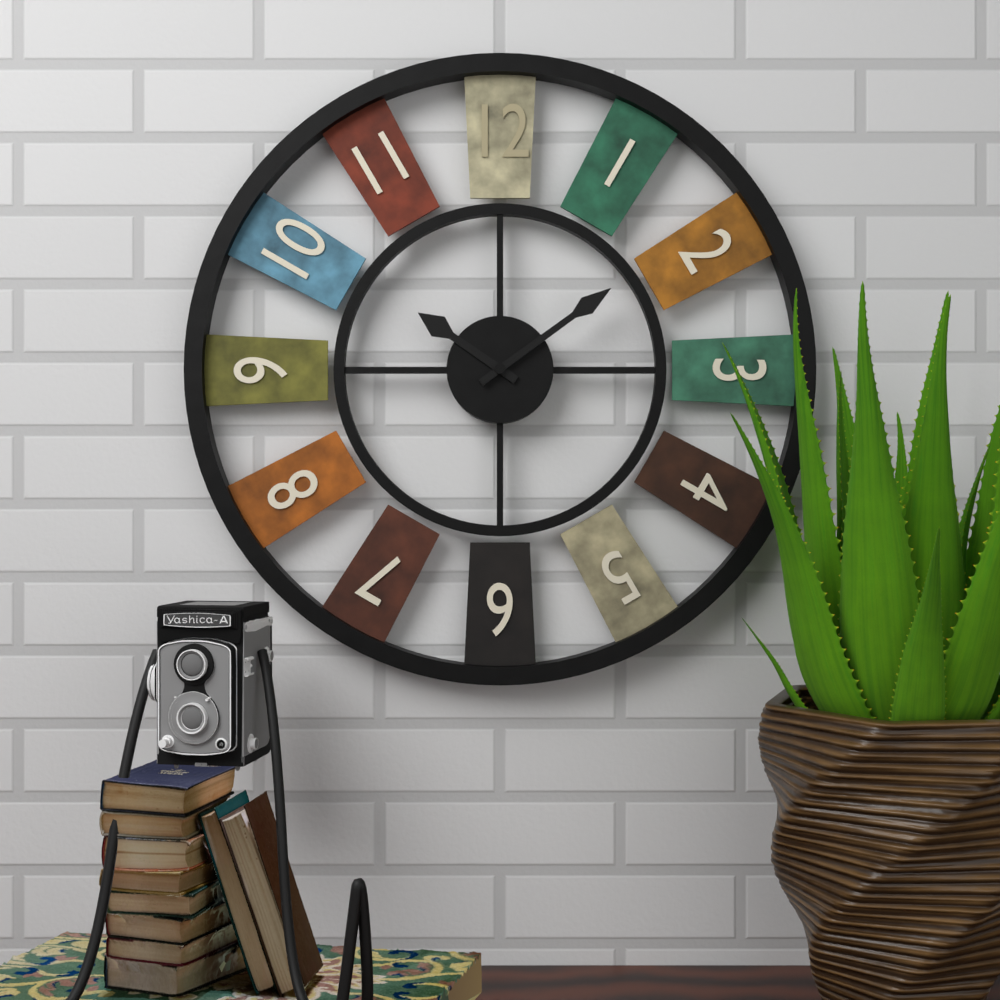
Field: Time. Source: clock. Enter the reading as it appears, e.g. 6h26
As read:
10h09
